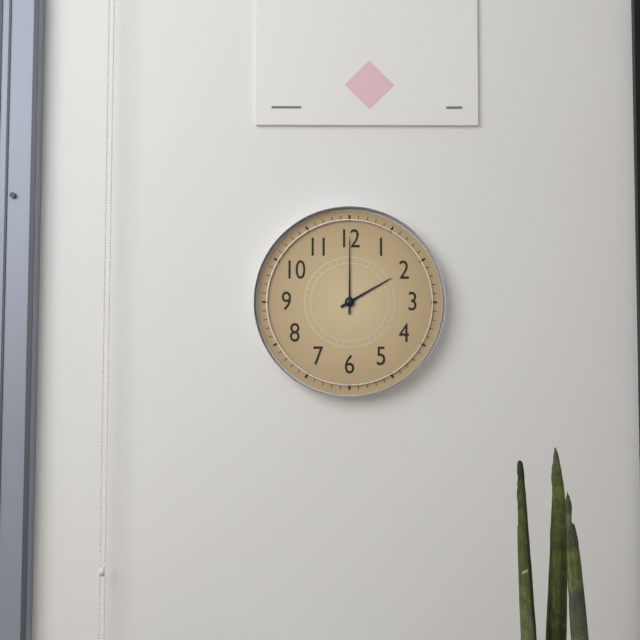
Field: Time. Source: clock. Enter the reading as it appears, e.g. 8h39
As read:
2h00
